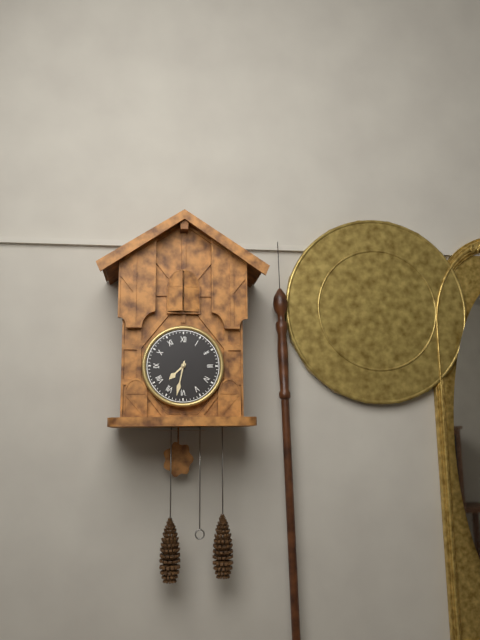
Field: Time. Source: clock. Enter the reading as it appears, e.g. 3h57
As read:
7h32
